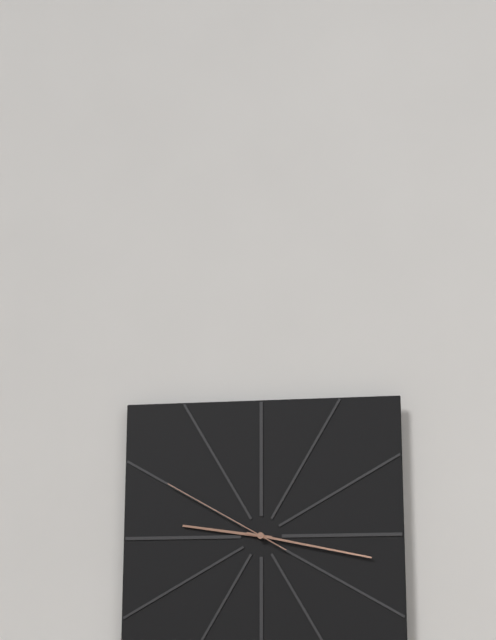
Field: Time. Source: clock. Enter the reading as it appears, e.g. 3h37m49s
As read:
9h17m50s
